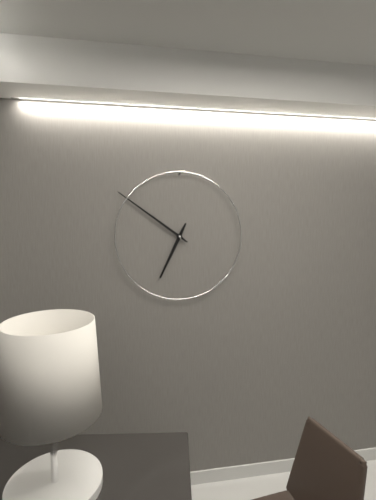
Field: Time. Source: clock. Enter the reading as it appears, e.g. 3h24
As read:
6h51
